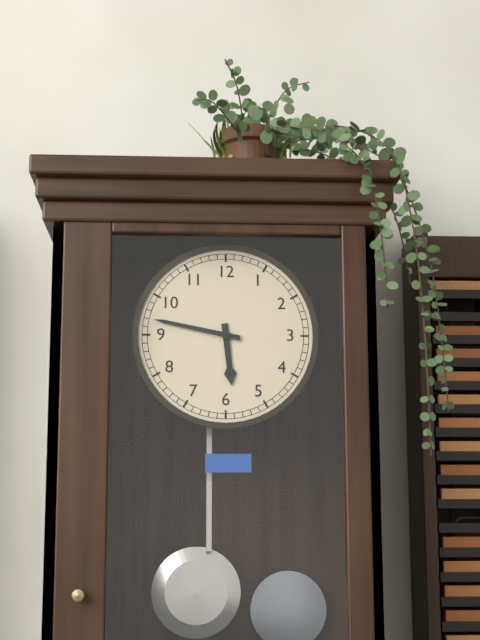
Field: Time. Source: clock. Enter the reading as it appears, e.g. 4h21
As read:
5h47
